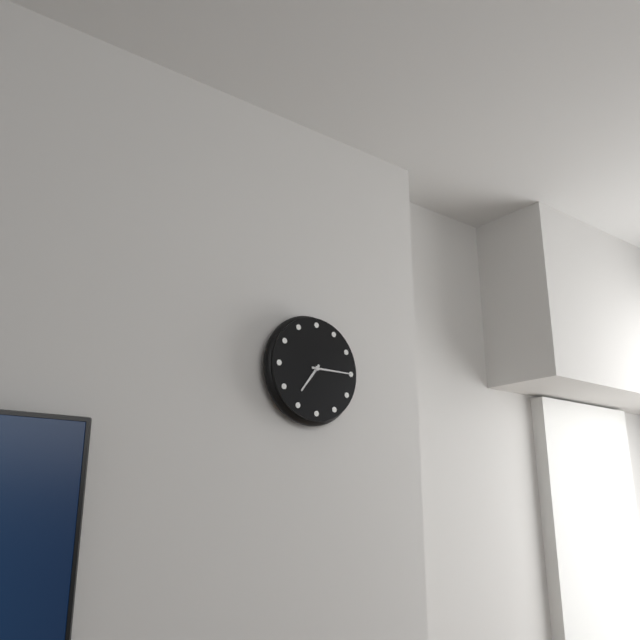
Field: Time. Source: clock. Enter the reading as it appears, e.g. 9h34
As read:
7h15
